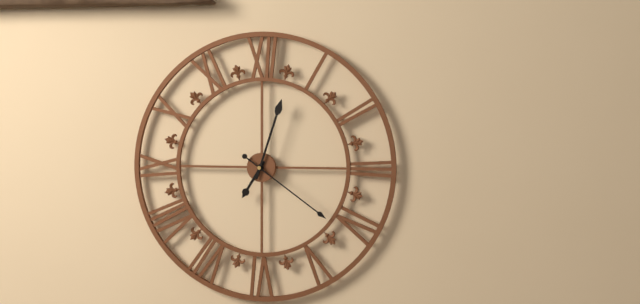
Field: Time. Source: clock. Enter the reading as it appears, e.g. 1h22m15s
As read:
7h03m21s
